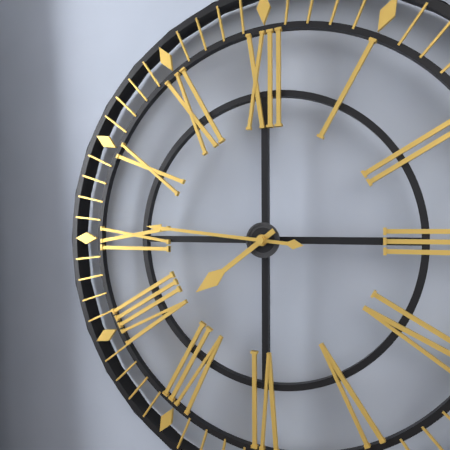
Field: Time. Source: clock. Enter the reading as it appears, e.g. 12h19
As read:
7h46
